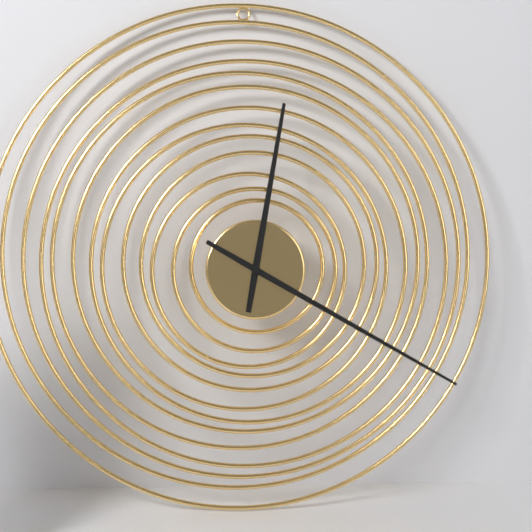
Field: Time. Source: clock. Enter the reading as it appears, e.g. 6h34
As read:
12h20
